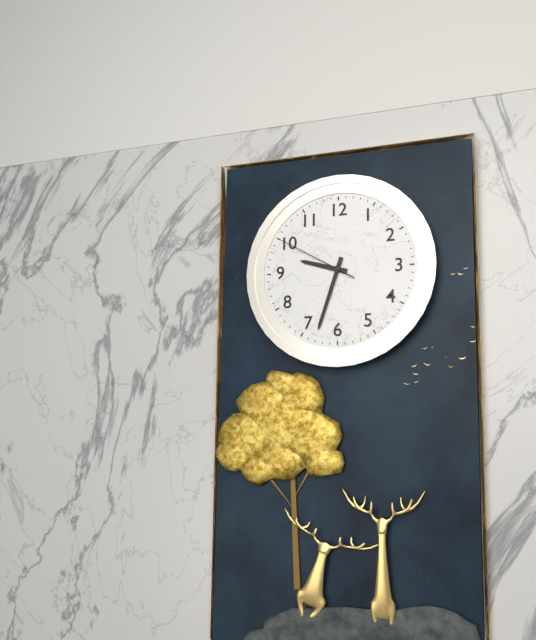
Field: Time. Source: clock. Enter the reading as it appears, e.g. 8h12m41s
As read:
9h33m50s
